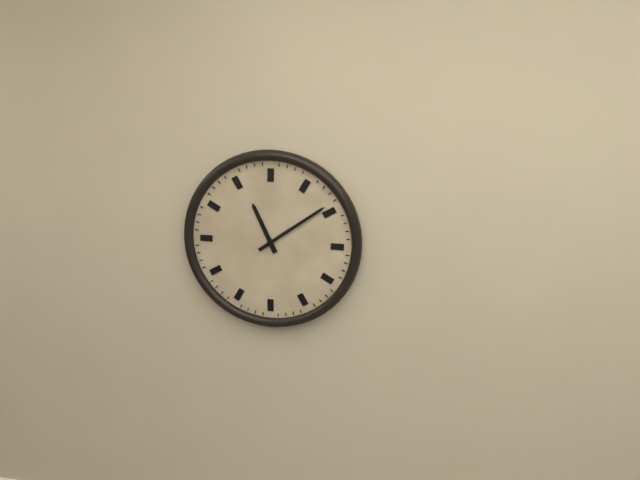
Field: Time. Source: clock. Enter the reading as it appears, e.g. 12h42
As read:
11h09
